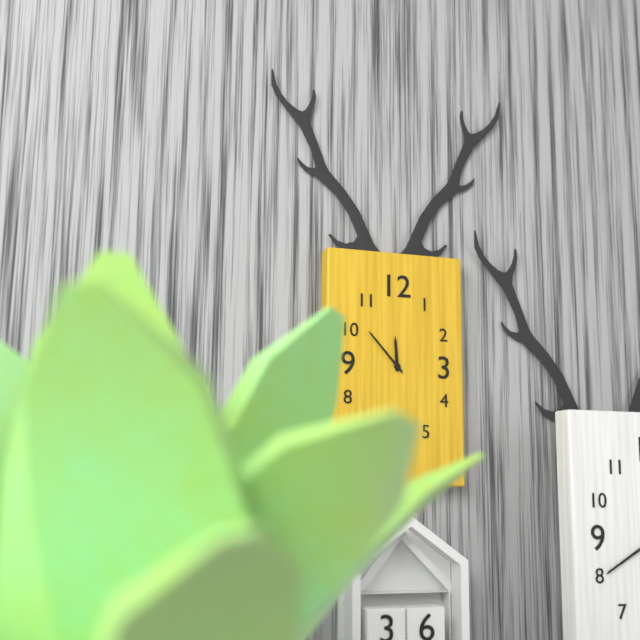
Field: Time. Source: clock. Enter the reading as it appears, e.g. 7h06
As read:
11h53
